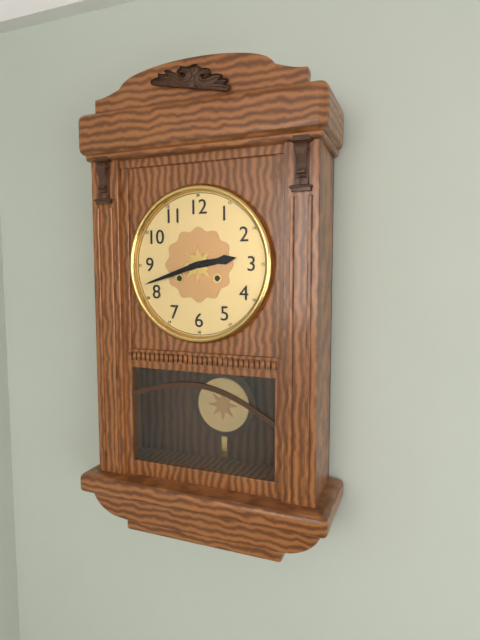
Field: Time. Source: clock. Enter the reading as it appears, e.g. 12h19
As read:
2h42
